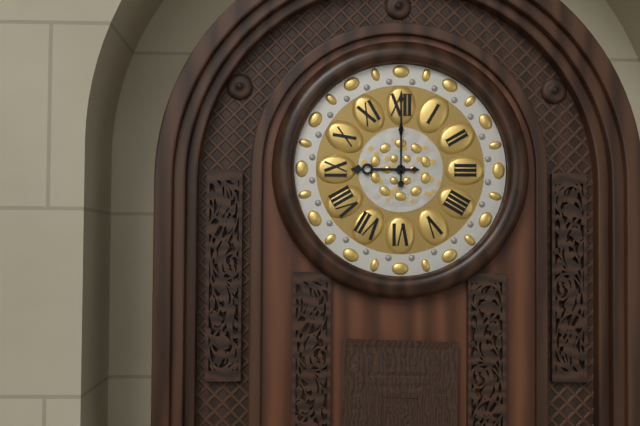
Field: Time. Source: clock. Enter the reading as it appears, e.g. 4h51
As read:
9h00
